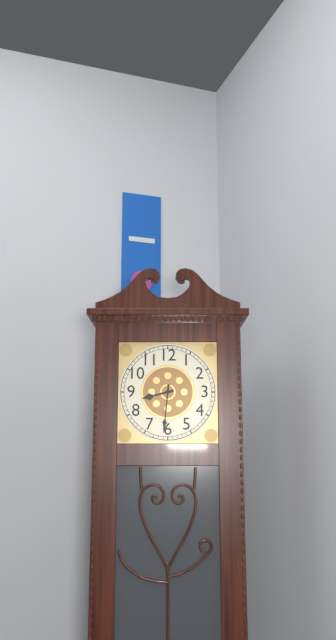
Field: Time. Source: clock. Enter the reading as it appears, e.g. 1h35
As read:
8h31
